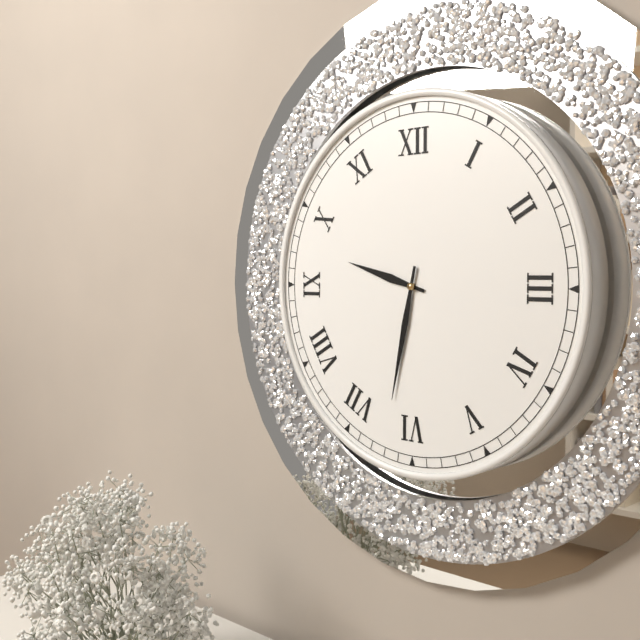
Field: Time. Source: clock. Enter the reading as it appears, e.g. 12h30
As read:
9h32
